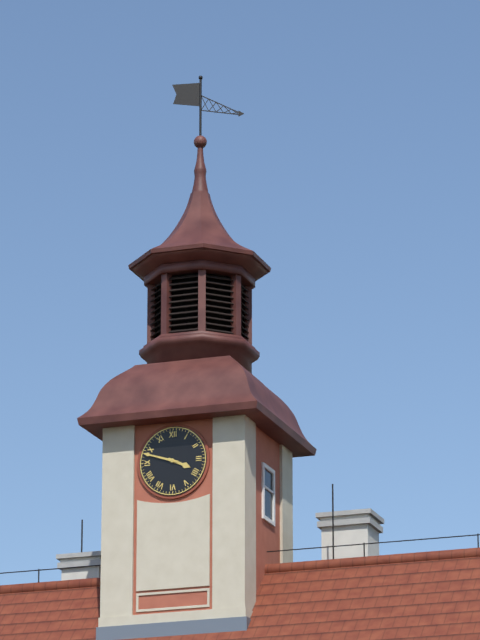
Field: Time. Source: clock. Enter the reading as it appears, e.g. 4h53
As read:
3h48
